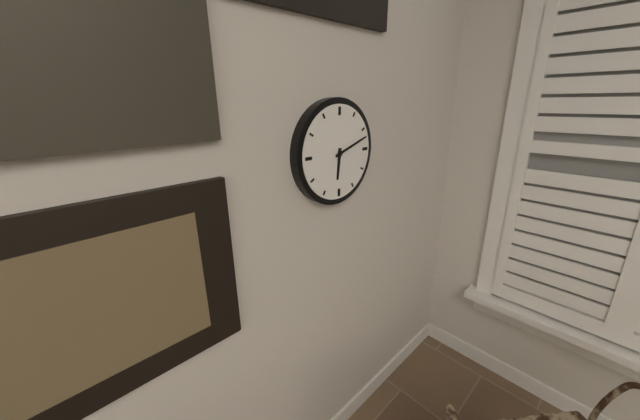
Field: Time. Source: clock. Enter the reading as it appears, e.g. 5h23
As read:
6h12
